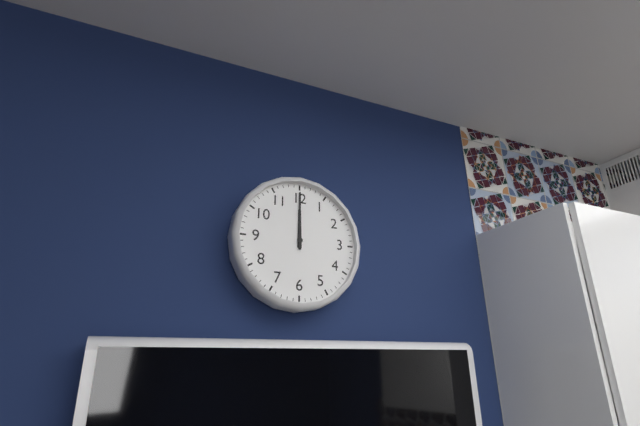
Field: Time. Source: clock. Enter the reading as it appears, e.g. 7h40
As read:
12h00
